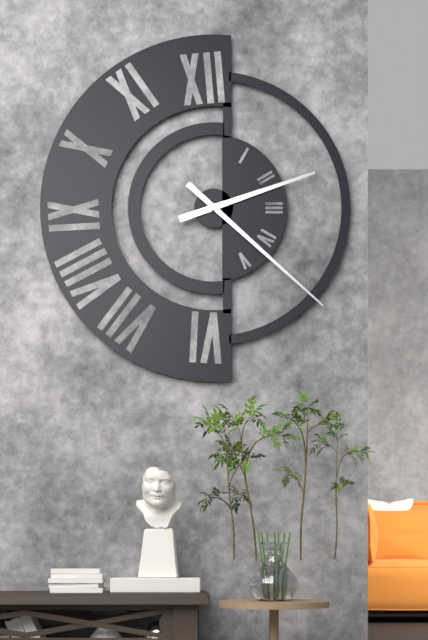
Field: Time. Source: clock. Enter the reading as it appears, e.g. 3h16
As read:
2h22
